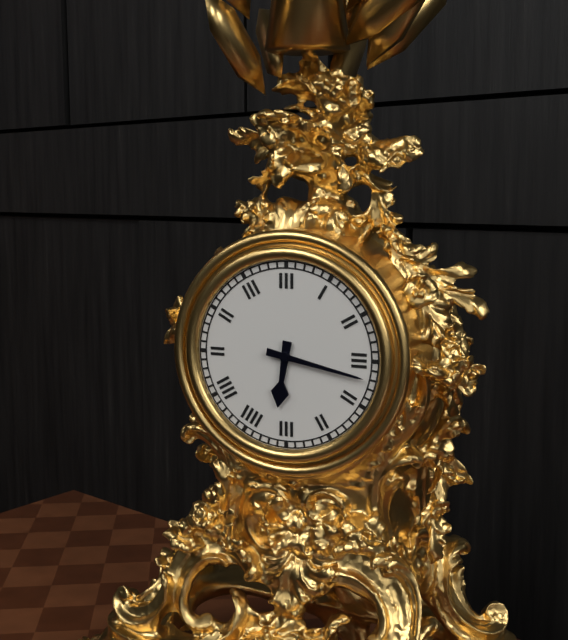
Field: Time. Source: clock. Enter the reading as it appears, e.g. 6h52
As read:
6h17
